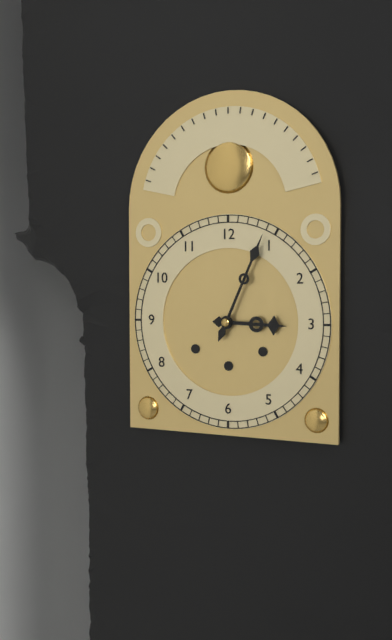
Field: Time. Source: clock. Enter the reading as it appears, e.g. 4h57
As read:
3h04
